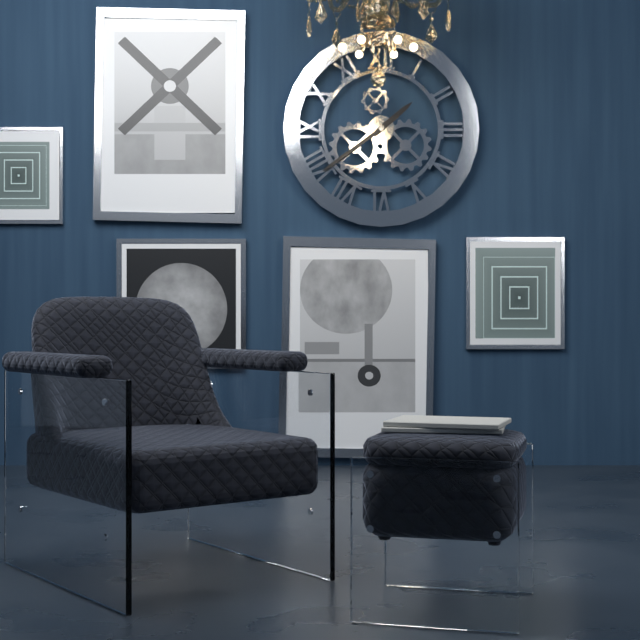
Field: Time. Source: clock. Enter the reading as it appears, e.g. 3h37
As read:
1h39
